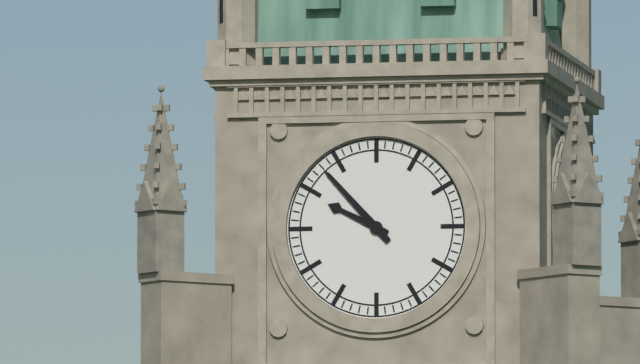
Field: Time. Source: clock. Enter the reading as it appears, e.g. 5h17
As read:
9h53
